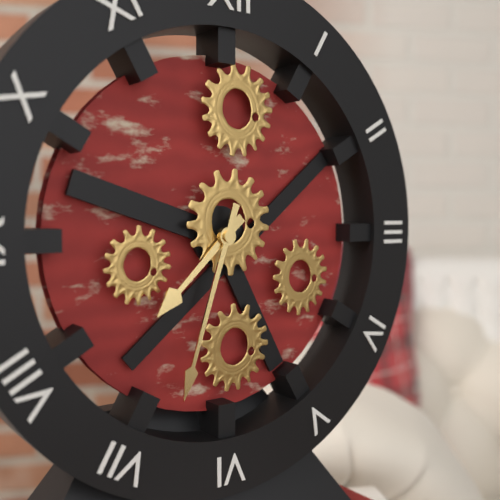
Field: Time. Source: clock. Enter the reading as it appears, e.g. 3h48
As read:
7h33
